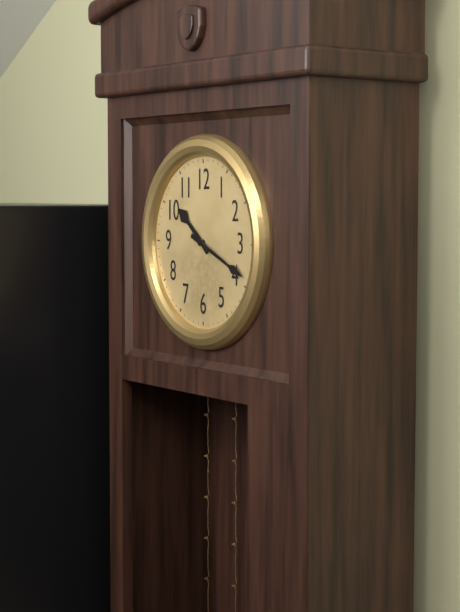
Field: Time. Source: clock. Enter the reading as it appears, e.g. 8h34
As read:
10h19
